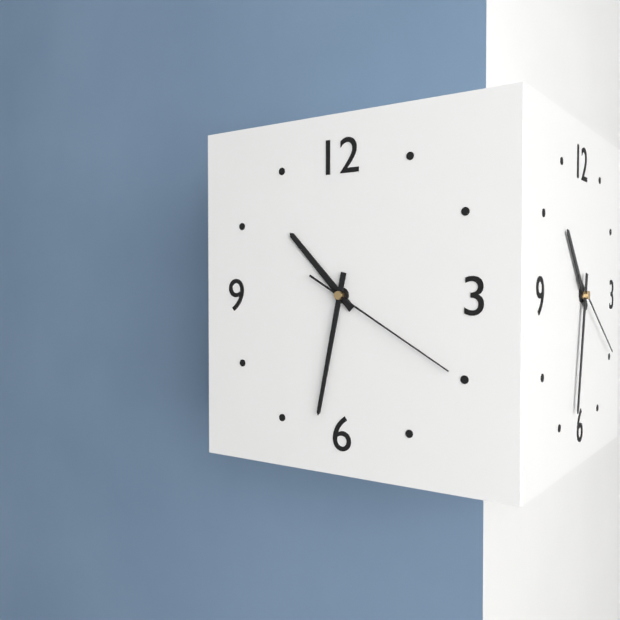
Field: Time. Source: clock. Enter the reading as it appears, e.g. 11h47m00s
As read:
10h32m20s
